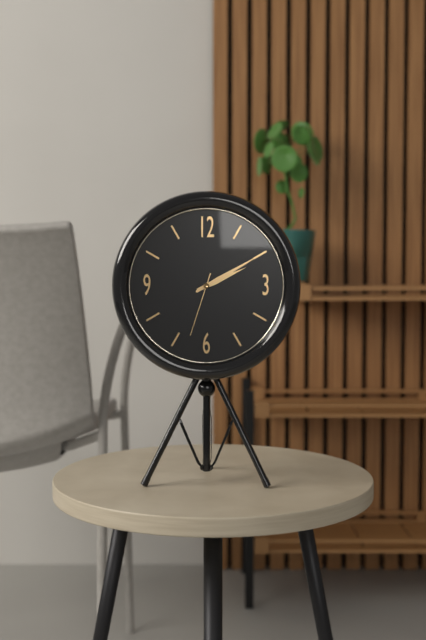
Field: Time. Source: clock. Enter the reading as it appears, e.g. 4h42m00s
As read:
2h10m33s
